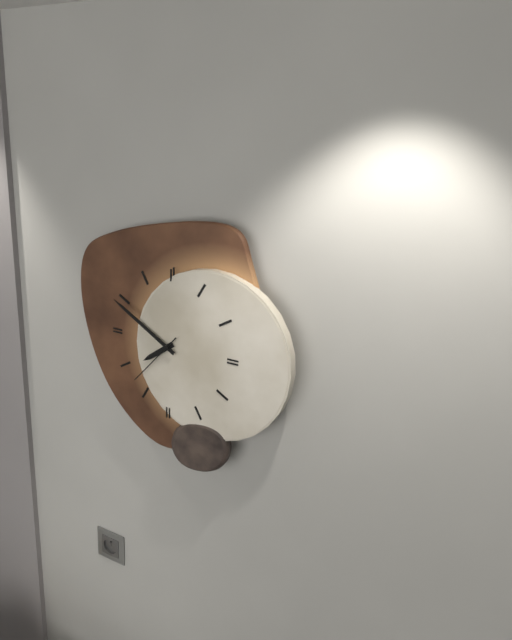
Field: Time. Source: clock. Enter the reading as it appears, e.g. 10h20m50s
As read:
7h50m37s
